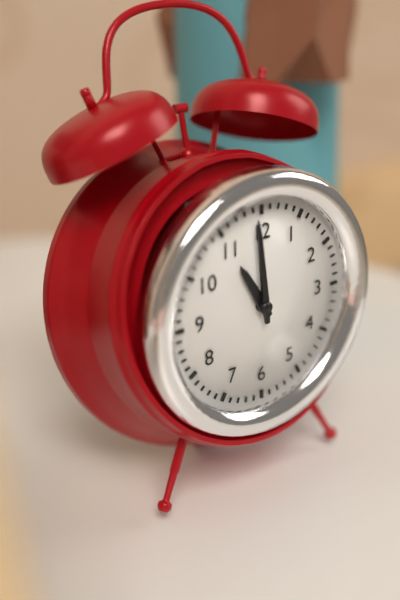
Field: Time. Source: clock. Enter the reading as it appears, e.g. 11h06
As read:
10h59
